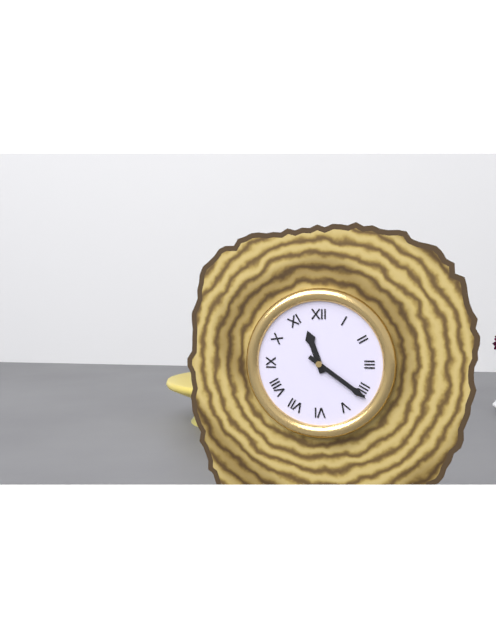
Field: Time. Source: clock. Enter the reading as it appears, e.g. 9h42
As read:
11h21
